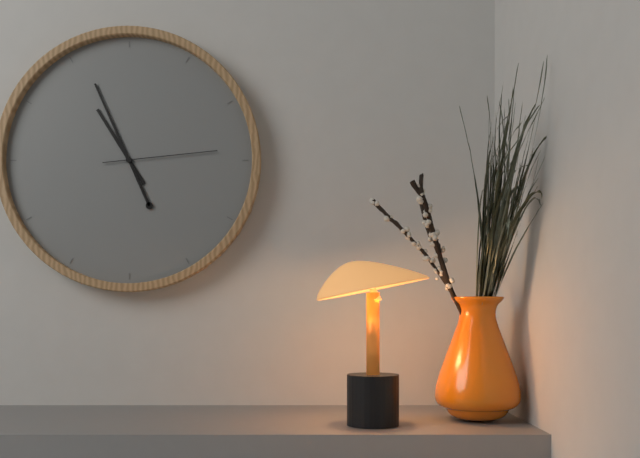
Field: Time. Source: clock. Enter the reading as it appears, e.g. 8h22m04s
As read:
10h56m14s
